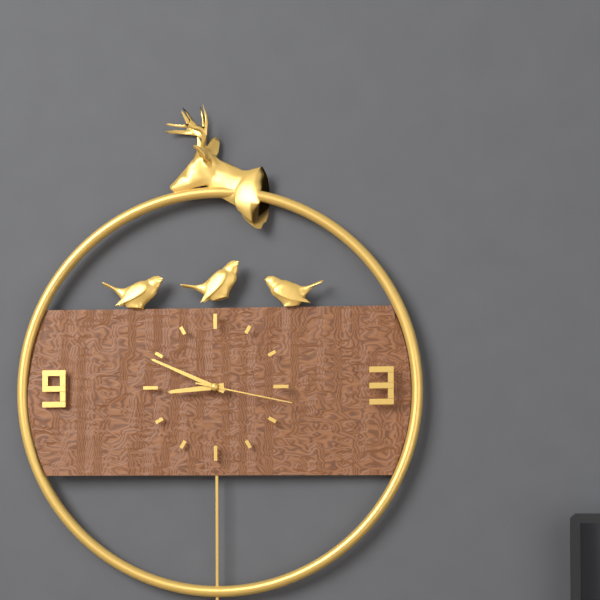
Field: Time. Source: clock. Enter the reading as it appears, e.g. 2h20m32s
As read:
8h49m17s
